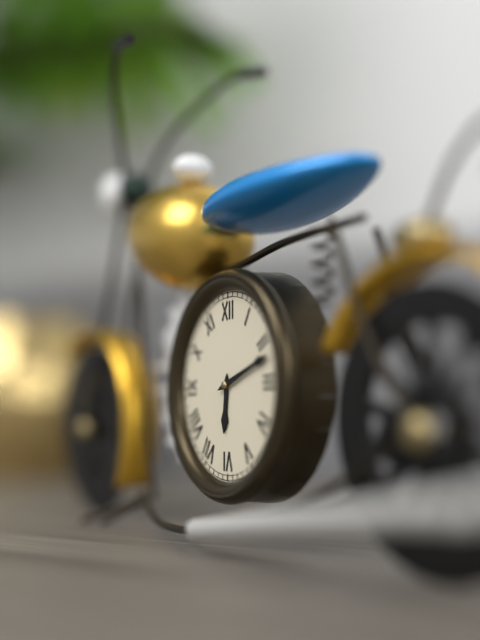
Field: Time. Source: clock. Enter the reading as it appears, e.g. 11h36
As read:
6h12
